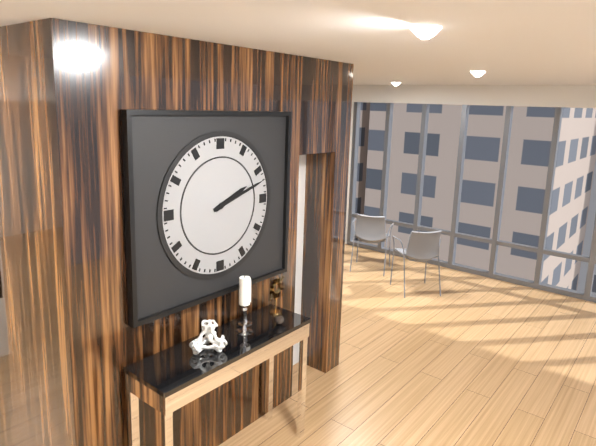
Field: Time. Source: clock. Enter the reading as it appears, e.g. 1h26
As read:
2h12
